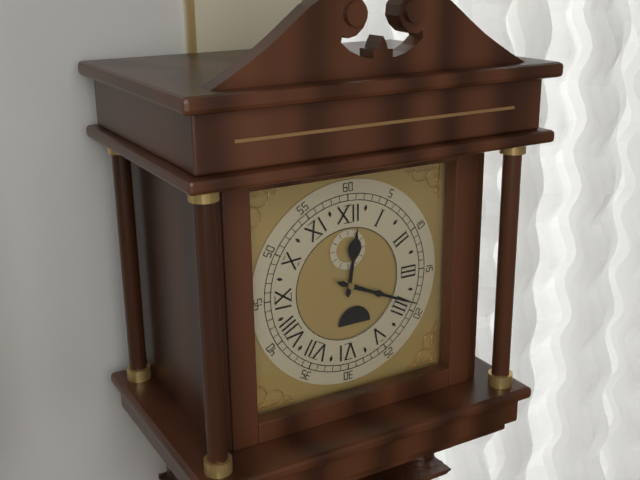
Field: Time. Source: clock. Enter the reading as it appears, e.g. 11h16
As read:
12h19
